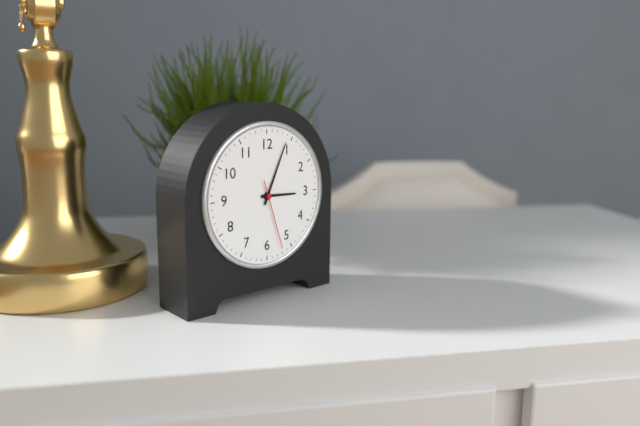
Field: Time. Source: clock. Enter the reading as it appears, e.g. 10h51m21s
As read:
3h04m27s
